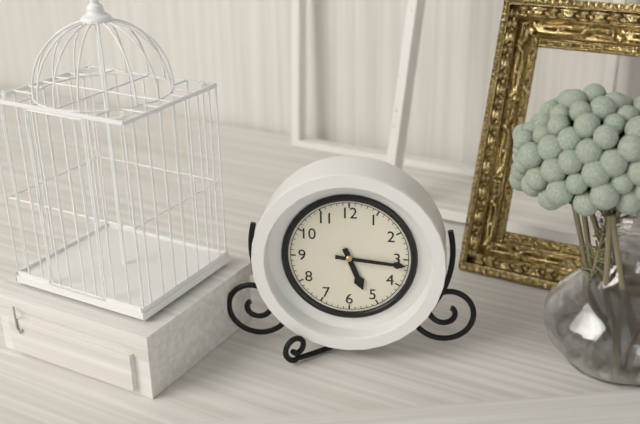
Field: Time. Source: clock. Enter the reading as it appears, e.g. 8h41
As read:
5h16
